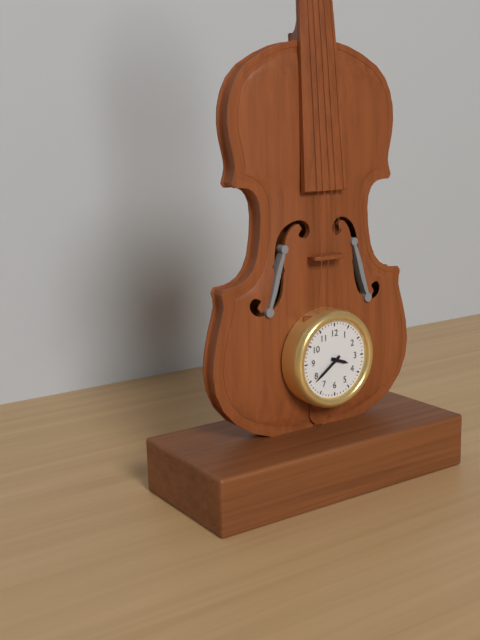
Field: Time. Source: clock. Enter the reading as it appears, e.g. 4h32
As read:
3h39
